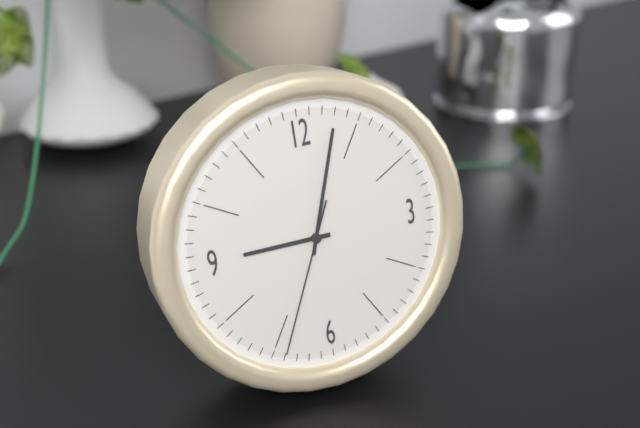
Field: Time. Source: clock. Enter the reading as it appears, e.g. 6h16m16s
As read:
9h03m34s
